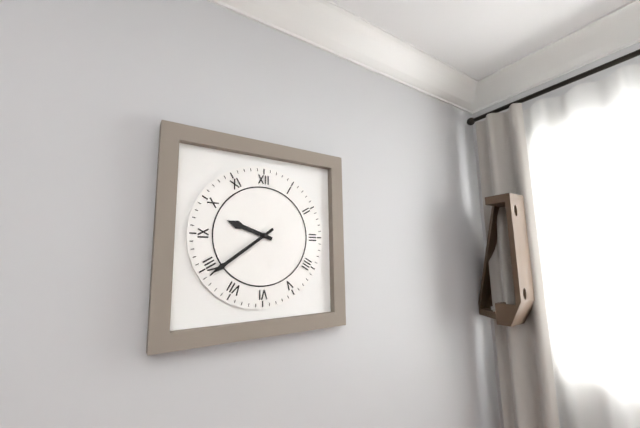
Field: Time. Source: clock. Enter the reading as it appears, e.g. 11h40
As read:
9h39
